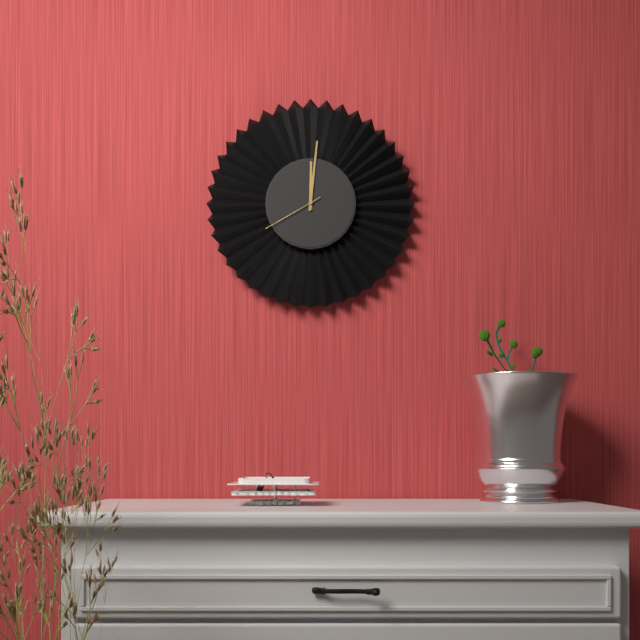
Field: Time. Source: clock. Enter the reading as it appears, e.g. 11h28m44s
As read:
12h01m40s
